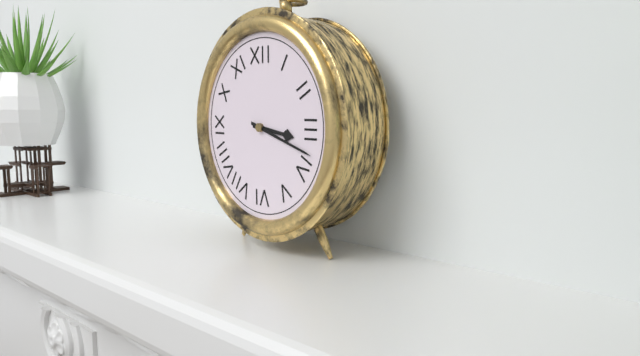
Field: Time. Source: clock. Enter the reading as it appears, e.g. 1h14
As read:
3h18
